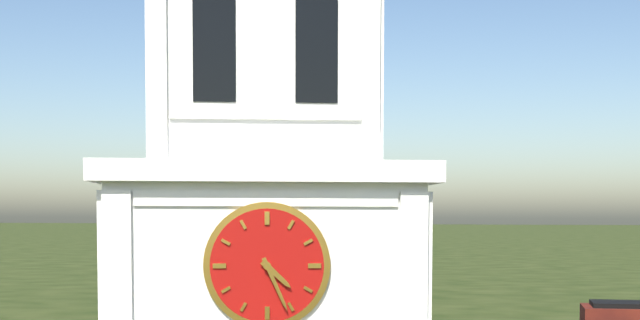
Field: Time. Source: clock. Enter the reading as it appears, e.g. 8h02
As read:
4h26
